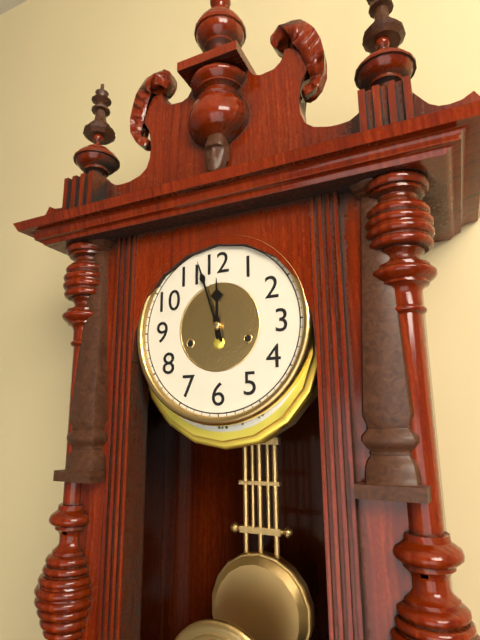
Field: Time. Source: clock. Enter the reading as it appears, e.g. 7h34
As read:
11h57
